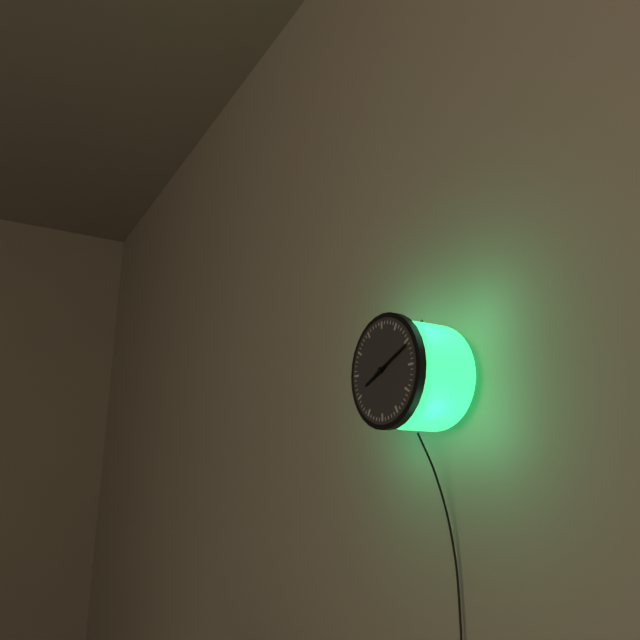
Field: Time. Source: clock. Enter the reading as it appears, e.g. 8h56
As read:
8h11
